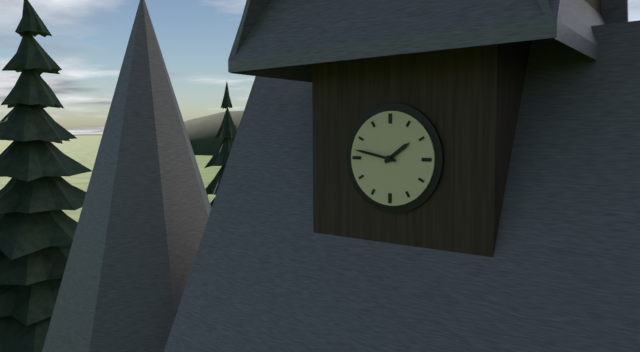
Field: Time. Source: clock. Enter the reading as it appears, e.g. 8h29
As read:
1h47
